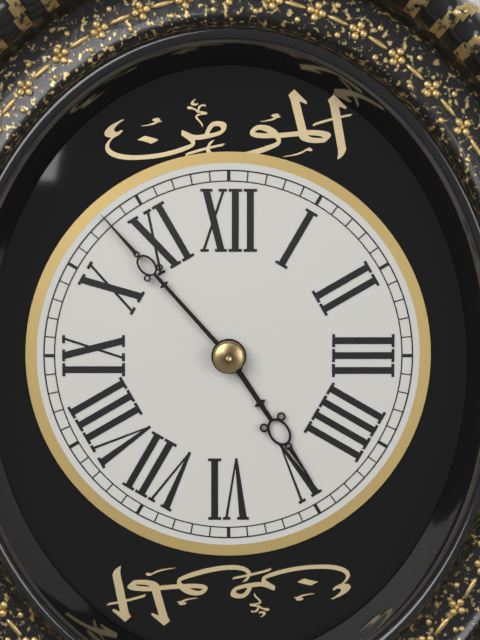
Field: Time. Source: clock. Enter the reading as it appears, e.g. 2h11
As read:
4h53
